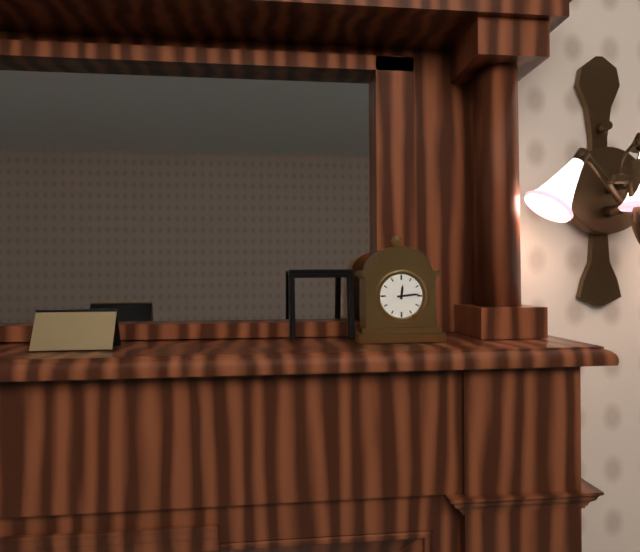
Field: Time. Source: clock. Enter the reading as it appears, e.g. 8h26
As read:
12h14
